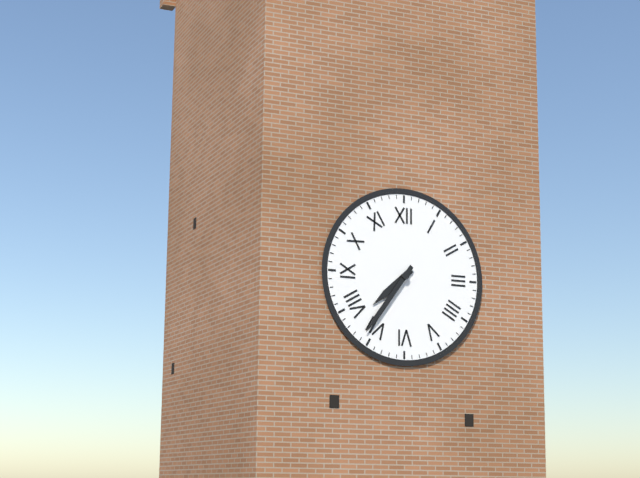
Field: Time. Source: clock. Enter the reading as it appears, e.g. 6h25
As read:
7h36
